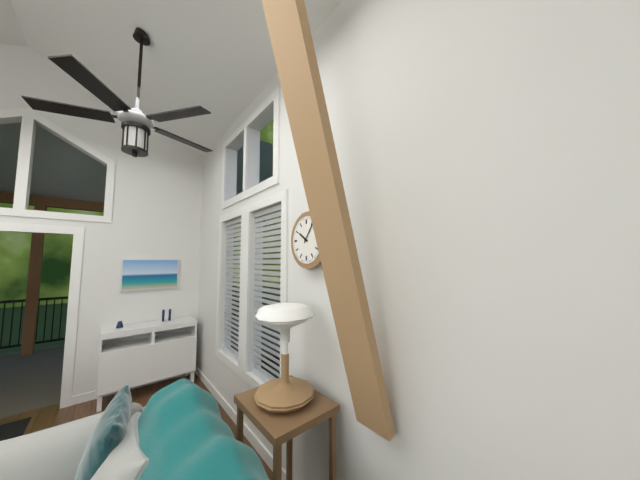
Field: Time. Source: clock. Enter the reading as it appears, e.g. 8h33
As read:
10h06
